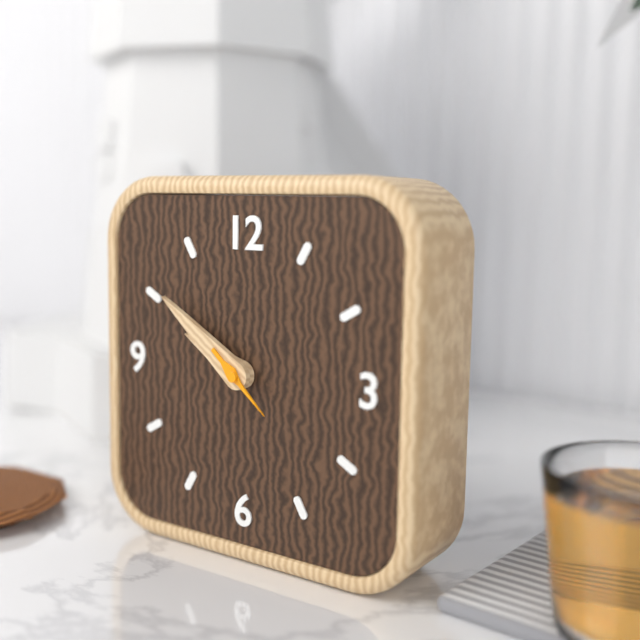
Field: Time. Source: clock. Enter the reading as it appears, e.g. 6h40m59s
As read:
9h51m22s
